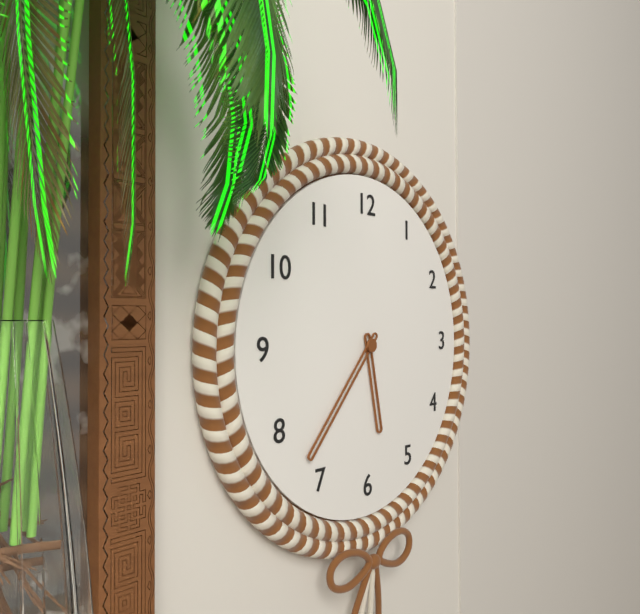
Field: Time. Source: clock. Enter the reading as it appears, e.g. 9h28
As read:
5h37
